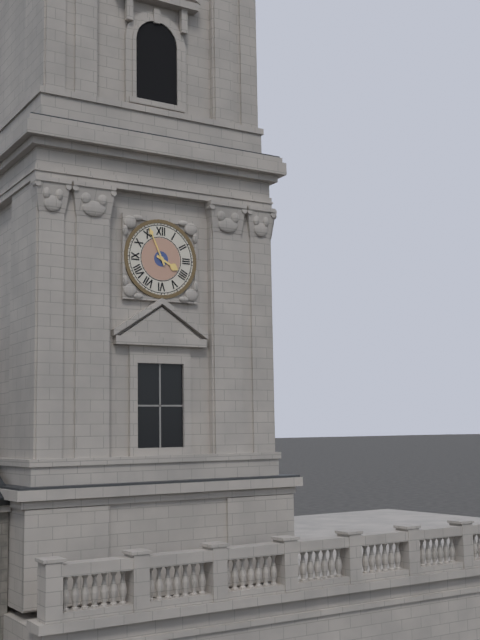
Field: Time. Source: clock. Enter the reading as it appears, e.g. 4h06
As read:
3h56
